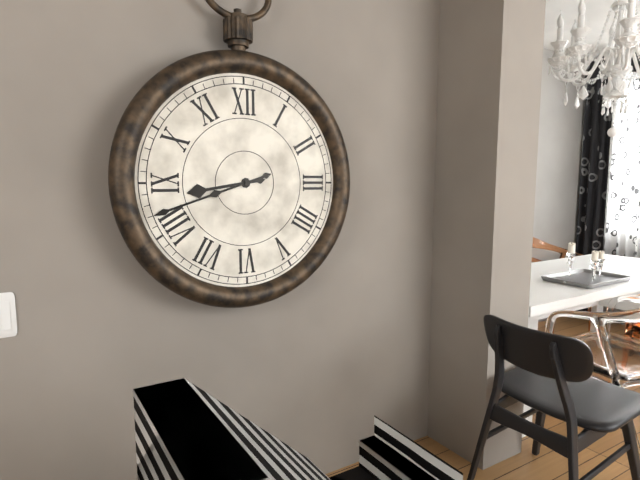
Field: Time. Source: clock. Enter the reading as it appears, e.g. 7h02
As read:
8h42
